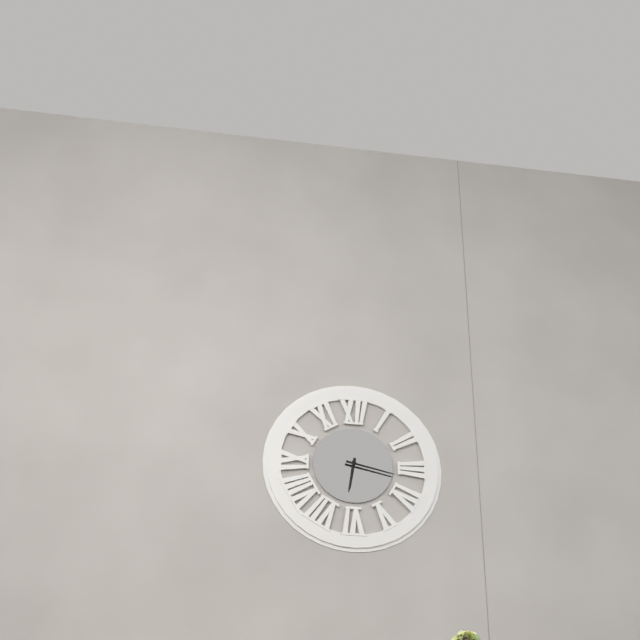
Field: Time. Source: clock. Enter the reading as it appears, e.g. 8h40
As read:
6h17
